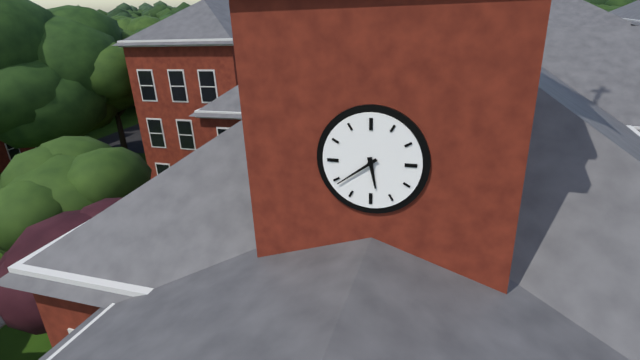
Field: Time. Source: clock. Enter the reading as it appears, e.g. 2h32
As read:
5h39
